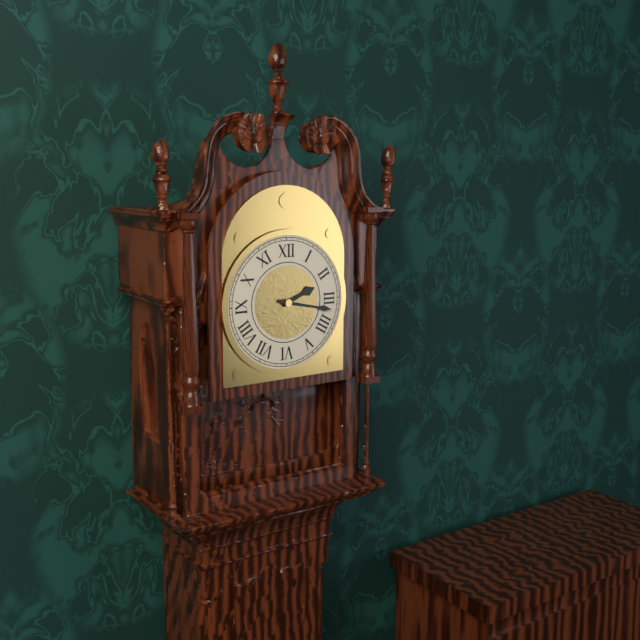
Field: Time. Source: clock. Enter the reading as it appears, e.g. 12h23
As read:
2h17
